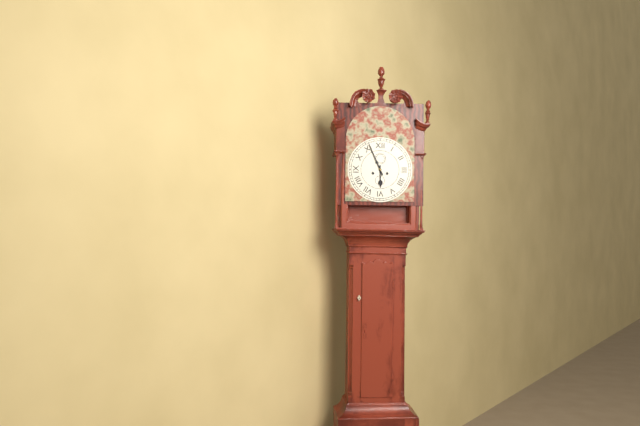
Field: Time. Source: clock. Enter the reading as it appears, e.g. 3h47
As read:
5h56
